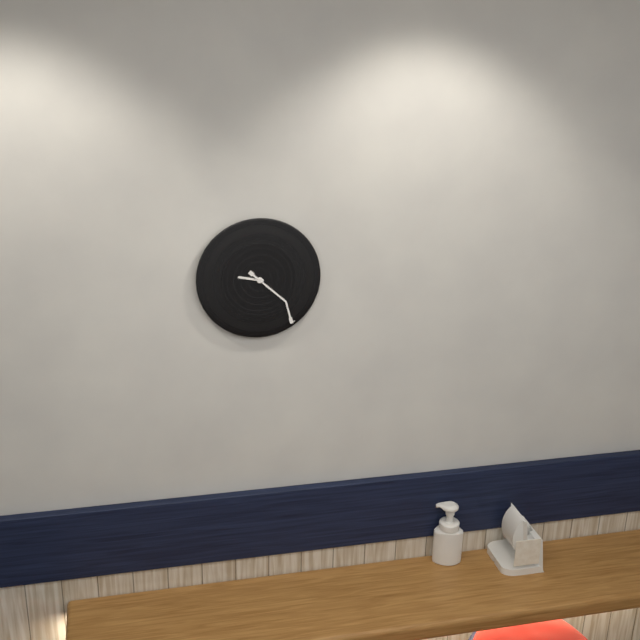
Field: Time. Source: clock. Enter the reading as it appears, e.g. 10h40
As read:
9h22
